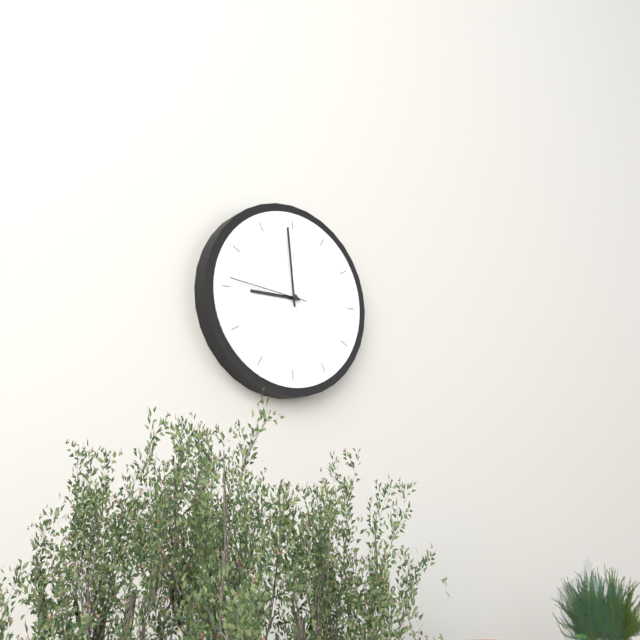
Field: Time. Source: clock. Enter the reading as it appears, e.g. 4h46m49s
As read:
8h59m46s
